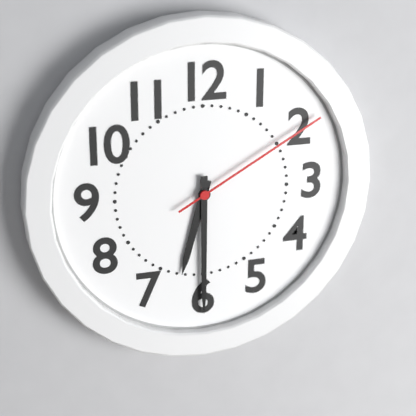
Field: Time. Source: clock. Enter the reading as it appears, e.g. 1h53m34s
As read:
6h30m10s
